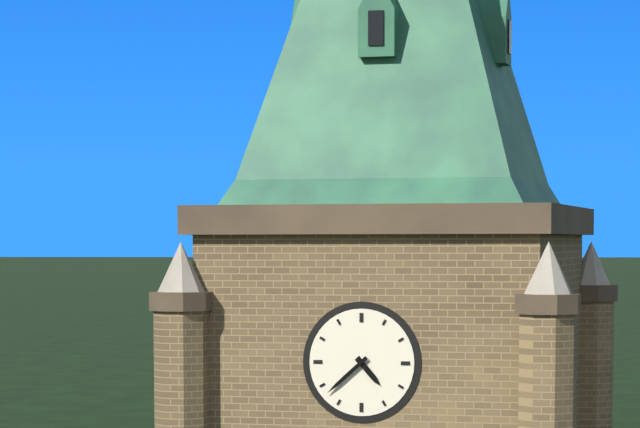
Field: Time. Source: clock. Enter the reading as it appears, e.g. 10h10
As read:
4h38
